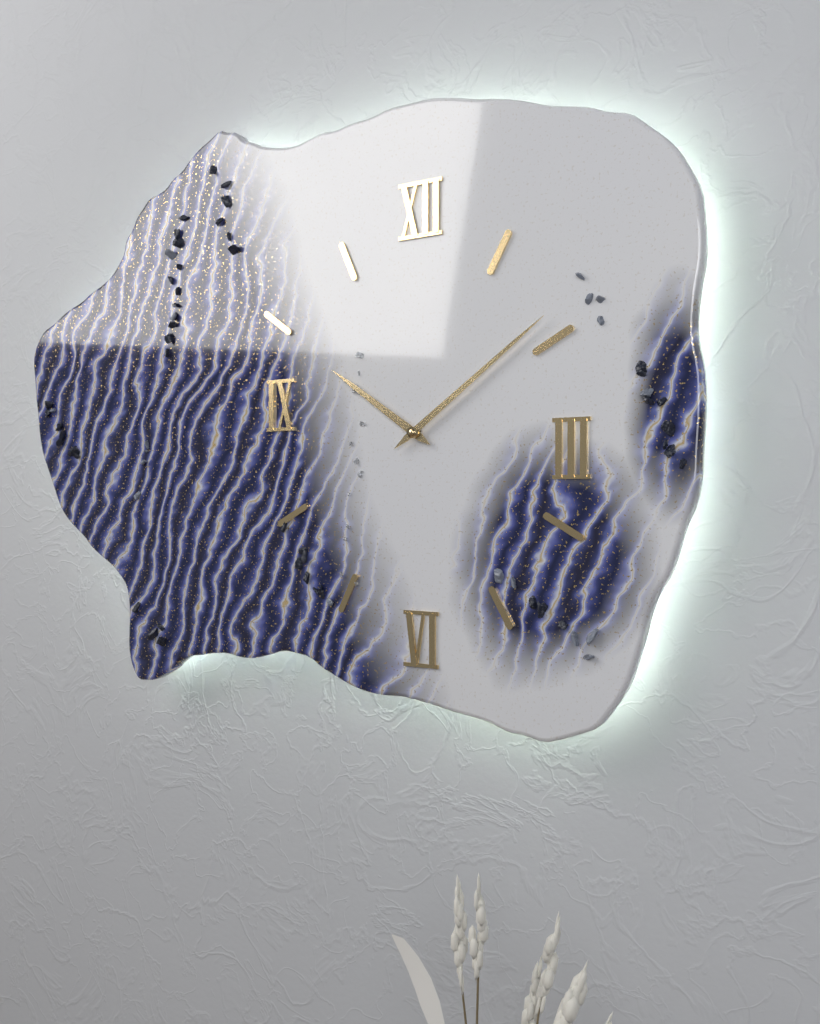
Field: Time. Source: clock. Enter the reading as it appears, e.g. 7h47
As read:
10h09
